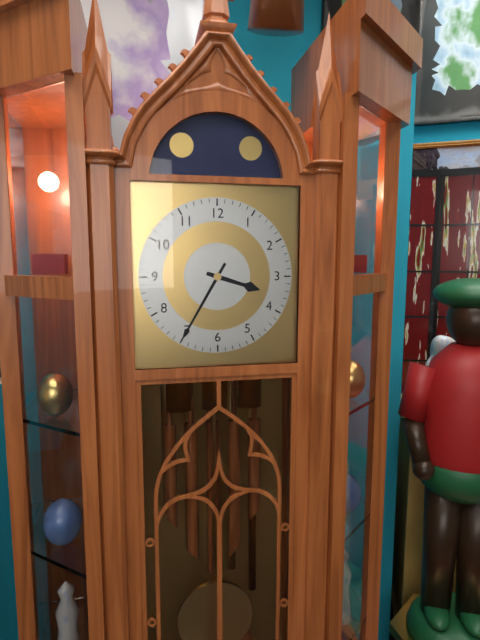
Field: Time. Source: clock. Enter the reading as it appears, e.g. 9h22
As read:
3h35
